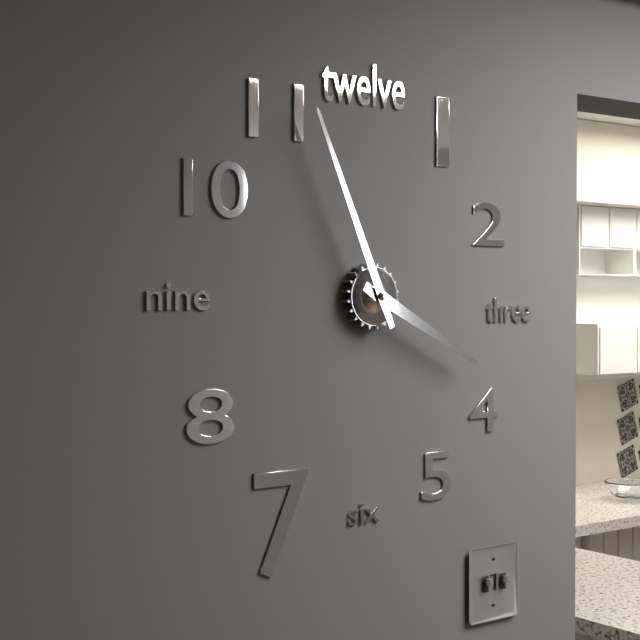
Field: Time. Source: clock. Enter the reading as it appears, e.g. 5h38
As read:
3h56
